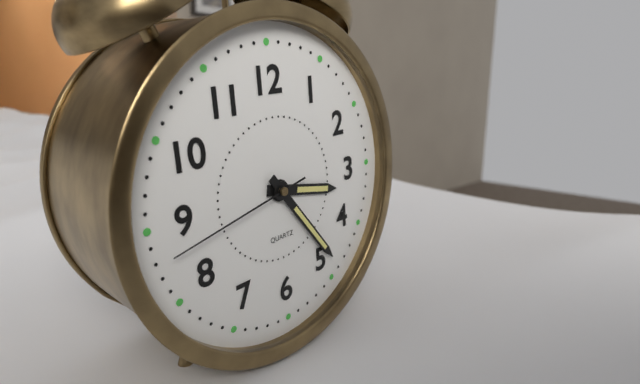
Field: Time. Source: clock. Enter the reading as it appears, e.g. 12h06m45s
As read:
3h24m43s
